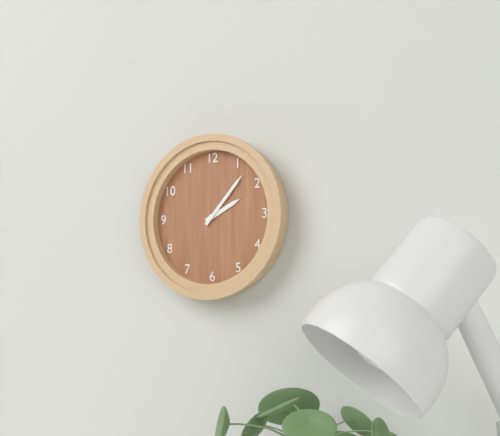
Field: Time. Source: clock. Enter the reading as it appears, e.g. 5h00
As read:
2h07
